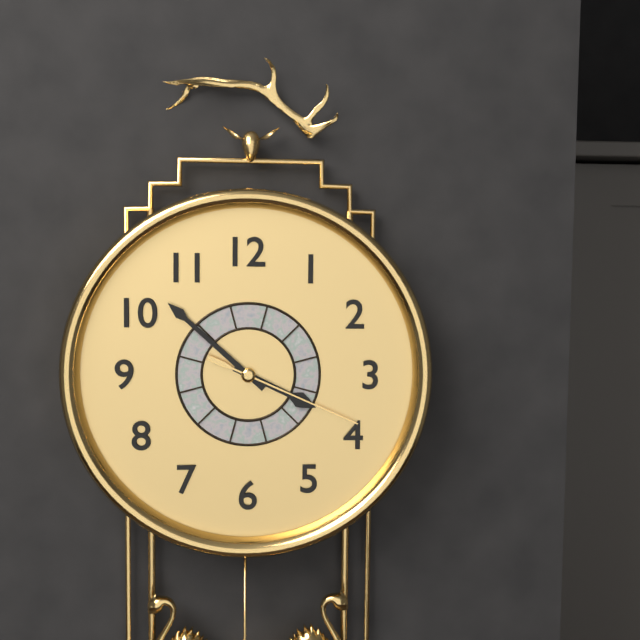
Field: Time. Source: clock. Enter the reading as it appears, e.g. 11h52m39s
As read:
3h52m19s
